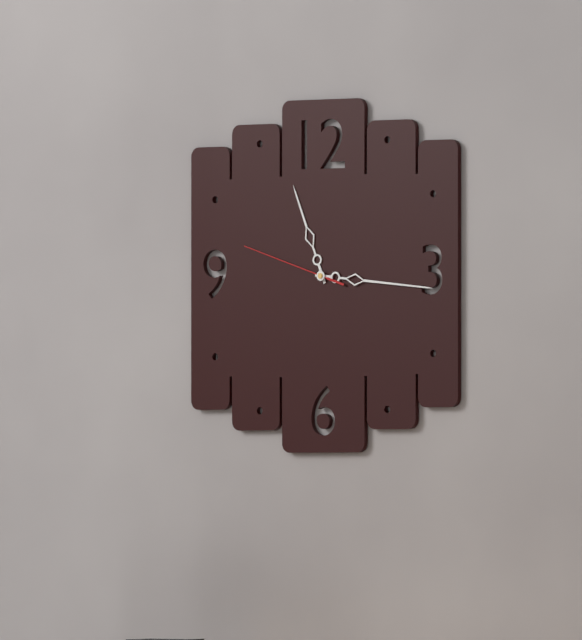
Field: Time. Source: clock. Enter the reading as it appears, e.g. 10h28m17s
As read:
11h16m48s
